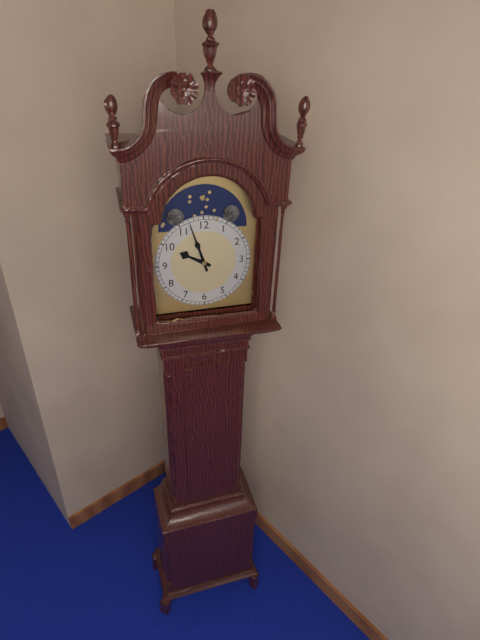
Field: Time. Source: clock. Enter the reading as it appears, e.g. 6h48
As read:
9h57
